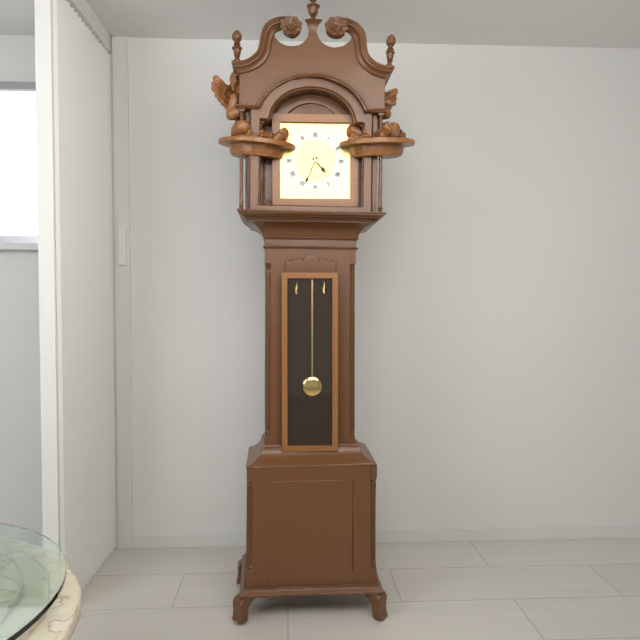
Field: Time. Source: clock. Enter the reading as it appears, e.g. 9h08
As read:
4h34
